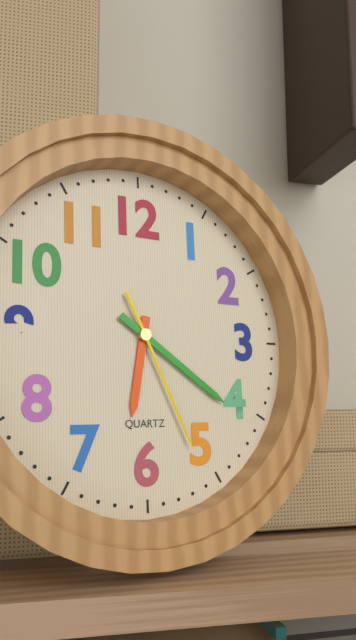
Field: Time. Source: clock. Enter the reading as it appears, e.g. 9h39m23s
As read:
6h21m26s
